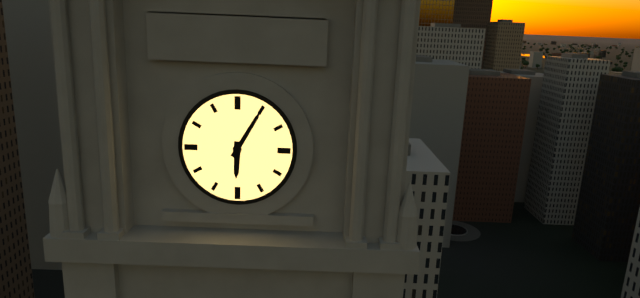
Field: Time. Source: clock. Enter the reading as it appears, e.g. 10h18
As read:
6h05
